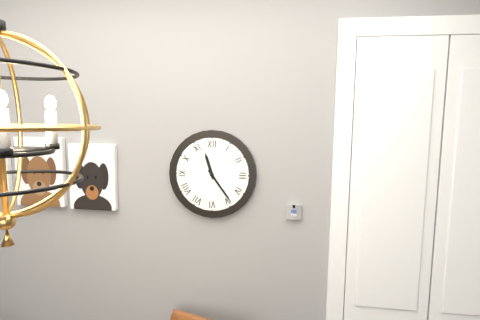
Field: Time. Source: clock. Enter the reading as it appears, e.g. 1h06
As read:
11h24
